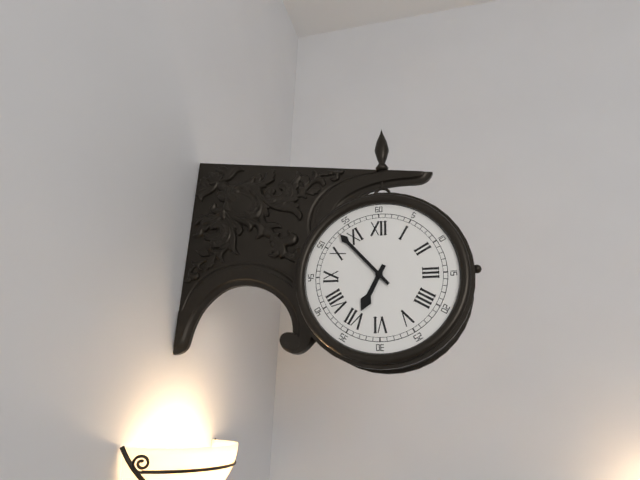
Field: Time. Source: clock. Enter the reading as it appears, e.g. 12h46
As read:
6h53
